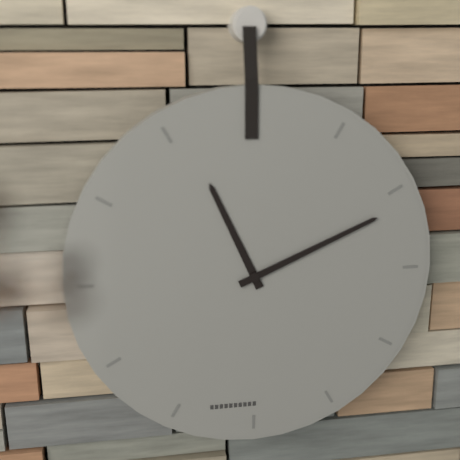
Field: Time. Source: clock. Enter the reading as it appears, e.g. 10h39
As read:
11h11
